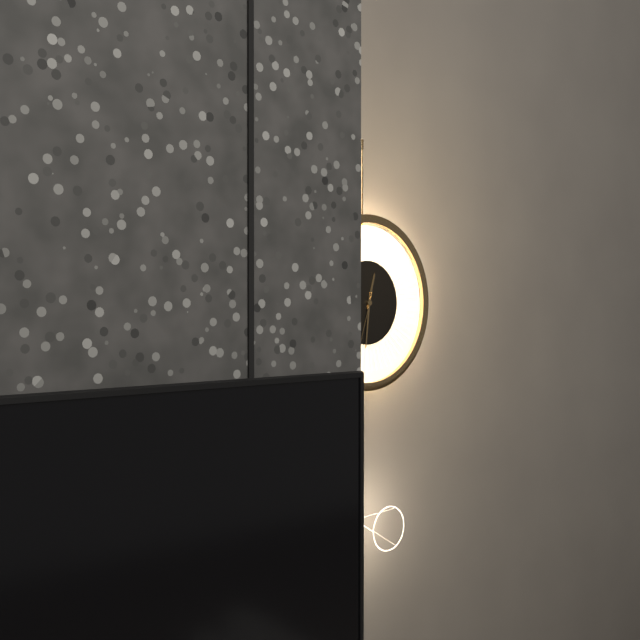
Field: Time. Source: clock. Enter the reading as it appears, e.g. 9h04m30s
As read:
12h31m33s
